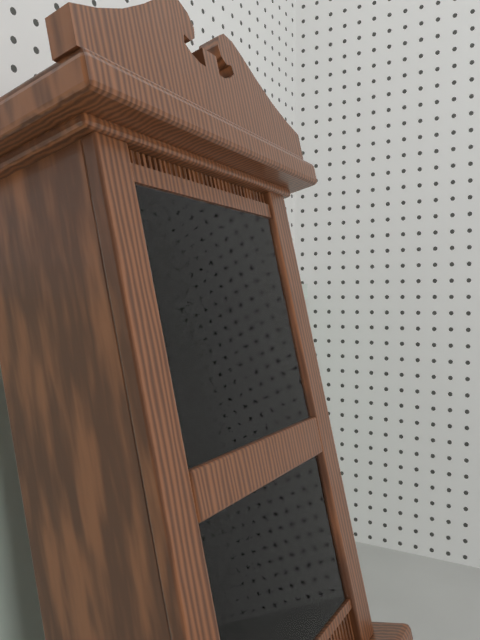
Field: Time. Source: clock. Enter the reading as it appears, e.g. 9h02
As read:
9h32
